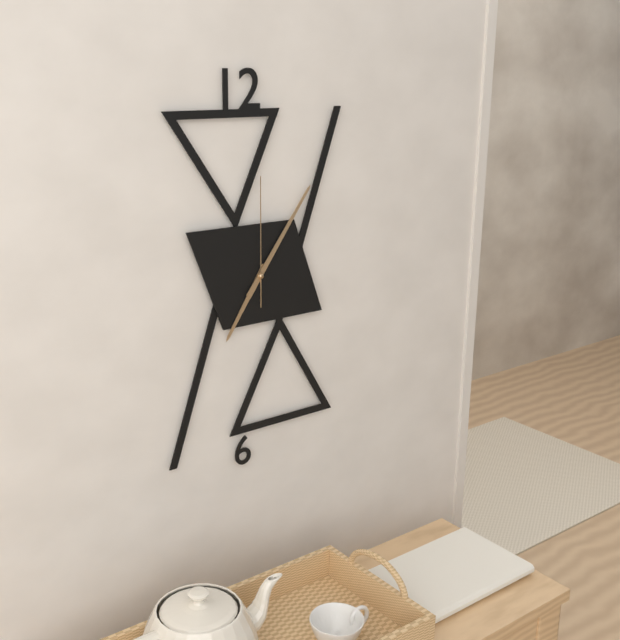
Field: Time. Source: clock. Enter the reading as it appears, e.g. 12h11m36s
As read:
7h06m00s
